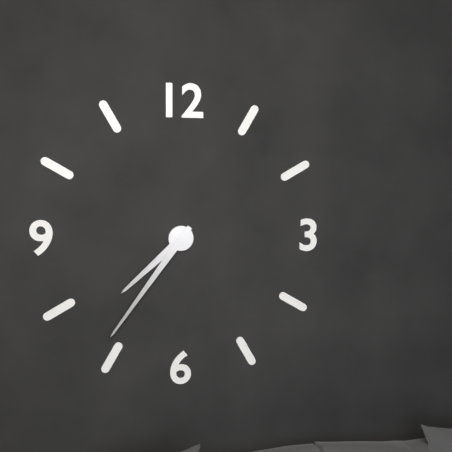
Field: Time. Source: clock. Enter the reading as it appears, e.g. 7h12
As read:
7h36
